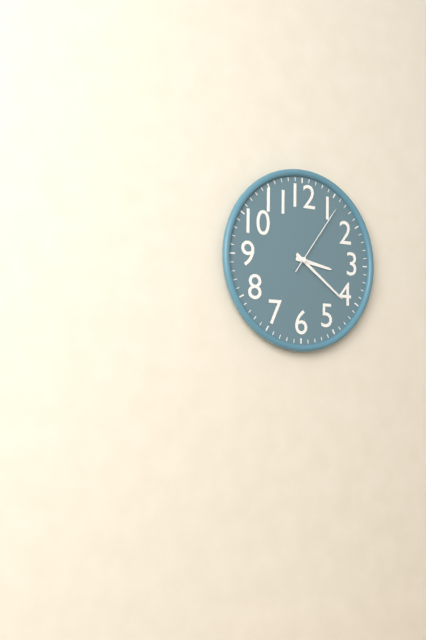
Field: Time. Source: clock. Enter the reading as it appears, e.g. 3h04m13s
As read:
3h21m06s
